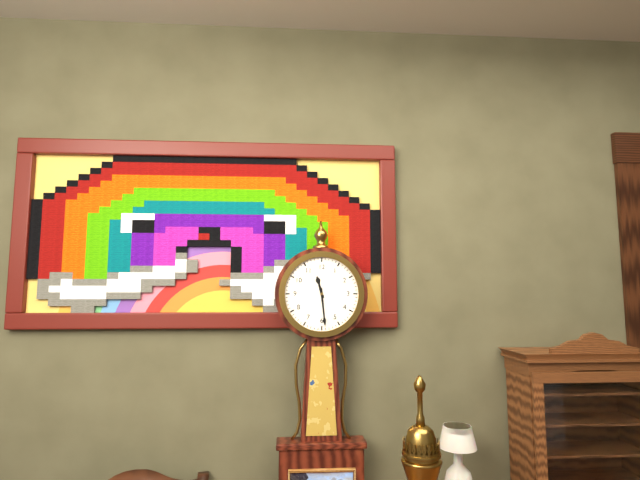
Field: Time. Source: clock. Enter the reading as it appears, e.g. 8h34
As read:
11h29
